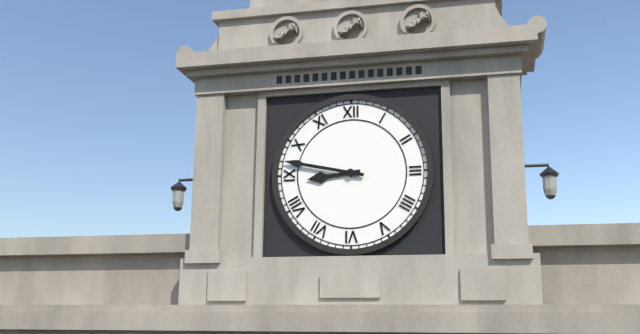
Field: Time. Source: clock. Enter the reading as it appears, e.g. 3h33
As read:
8h47
